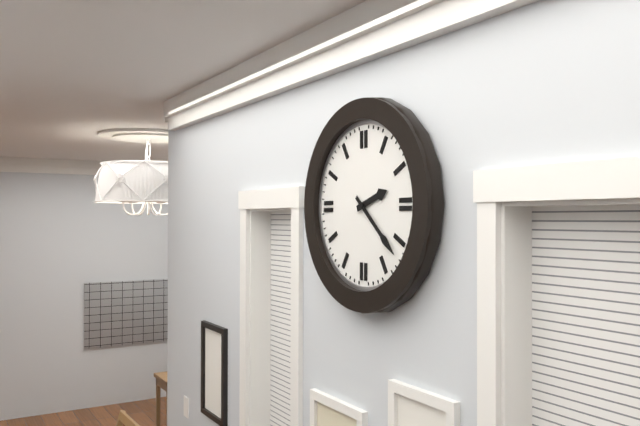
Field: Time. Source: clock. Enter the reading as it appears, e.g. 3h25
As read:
2h22
